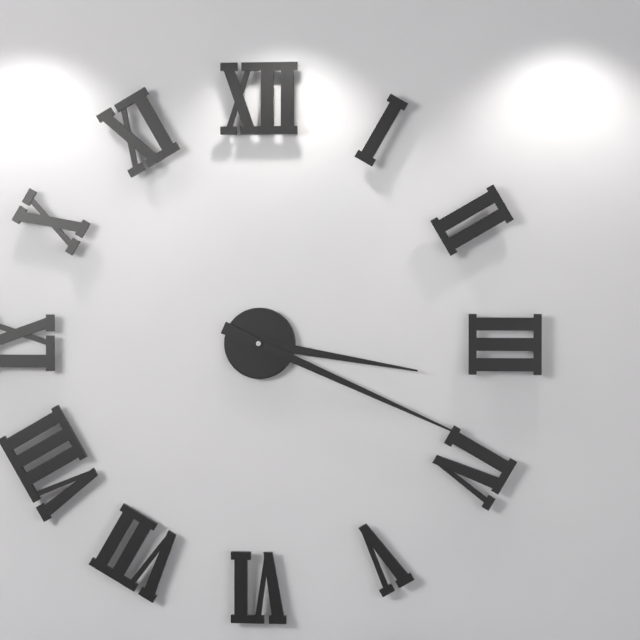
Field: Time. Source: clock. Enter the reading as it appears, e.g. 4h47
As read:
3h19
